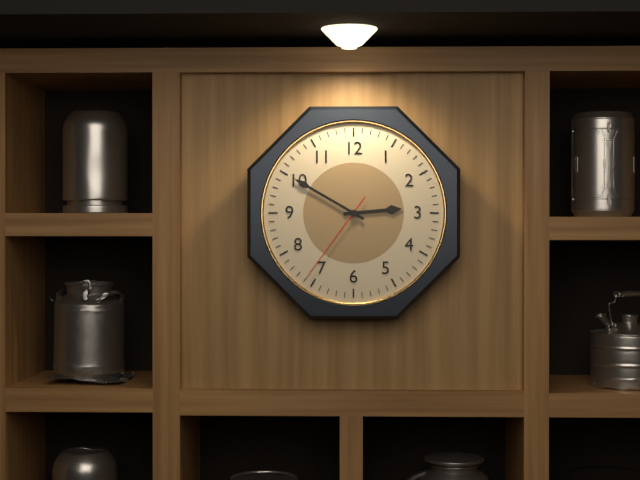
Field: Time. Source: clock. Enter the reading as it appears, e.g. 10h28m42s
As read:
2h50m36s
